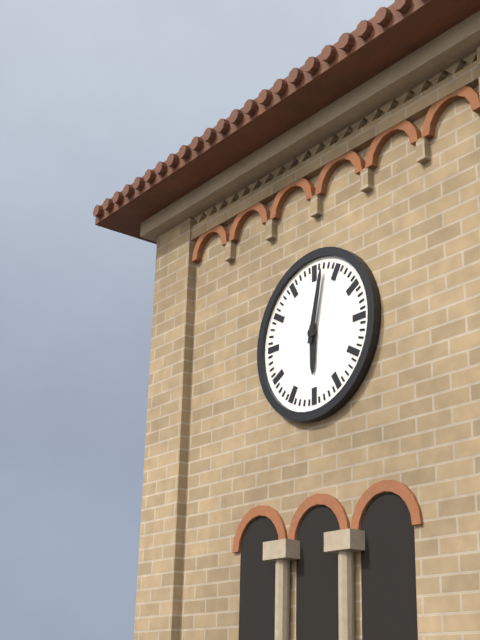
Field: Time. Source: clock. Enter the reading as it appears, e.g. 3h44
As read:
6h02
